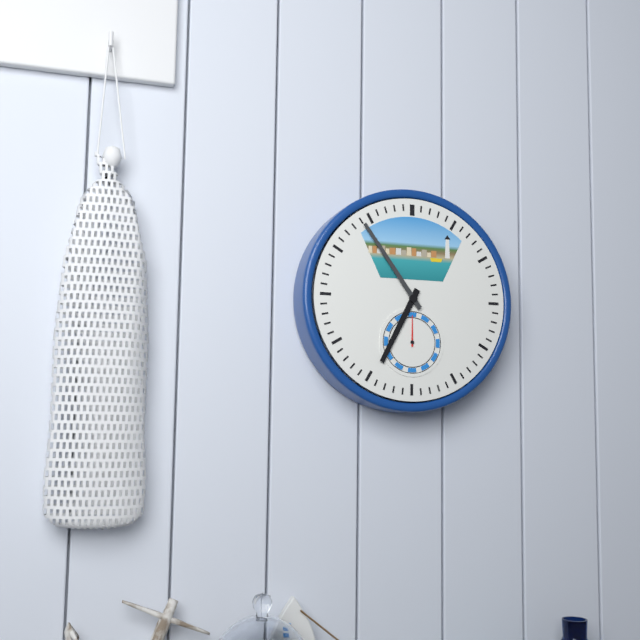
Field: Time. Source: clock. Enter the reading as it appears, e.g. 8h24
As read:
6h54
